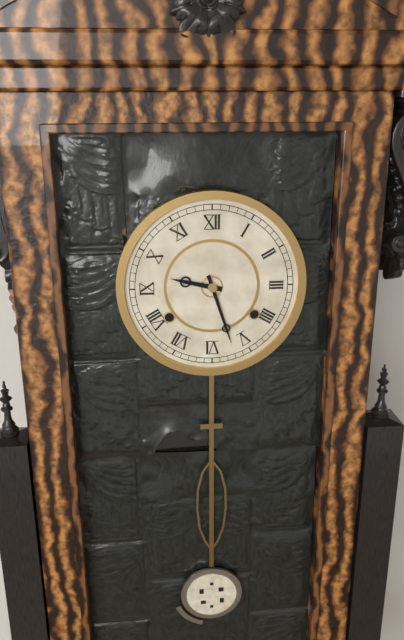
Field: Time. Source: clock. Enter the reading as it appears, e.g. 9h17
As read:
9h27
